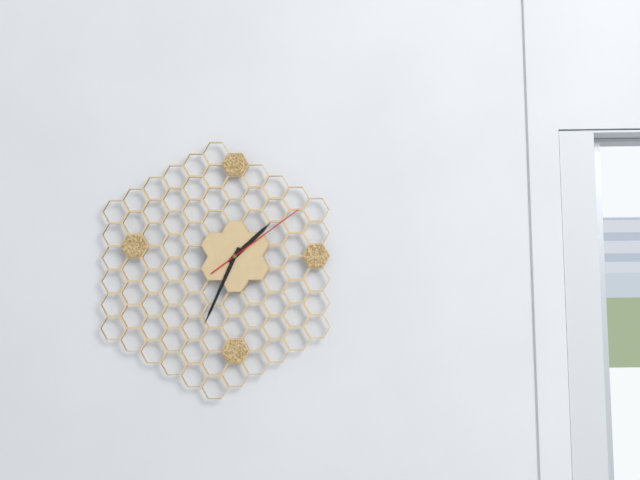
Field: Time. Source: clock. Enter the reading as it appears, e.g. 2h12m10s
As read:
1h34m09s
